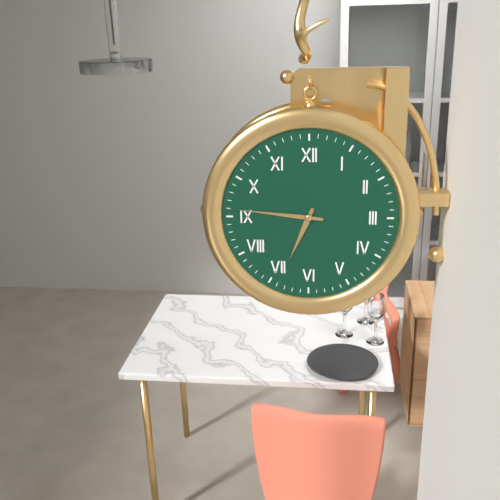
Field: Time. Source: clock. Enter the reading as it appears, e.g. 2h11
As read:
6h46
